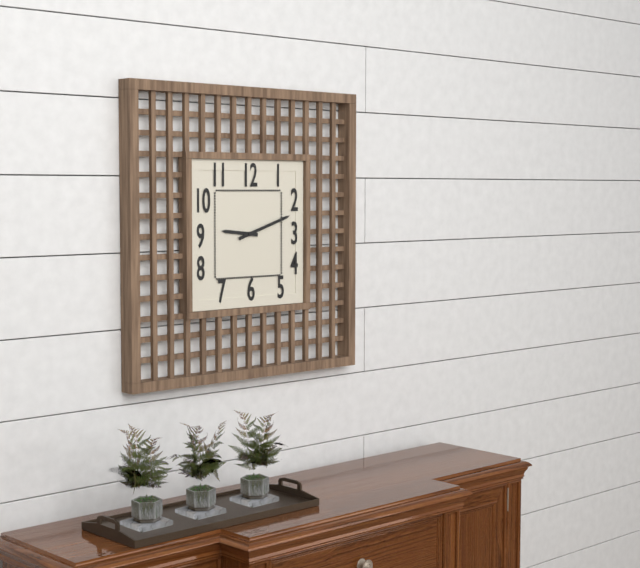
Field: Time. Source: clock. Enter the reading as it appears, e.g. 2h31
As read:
9h12
